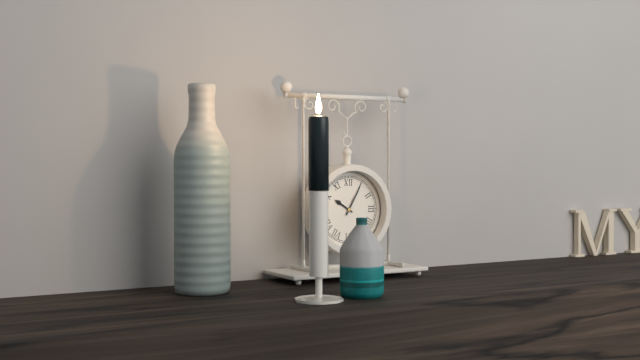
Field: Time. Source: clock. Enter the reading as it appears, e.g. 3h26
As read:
10h05
